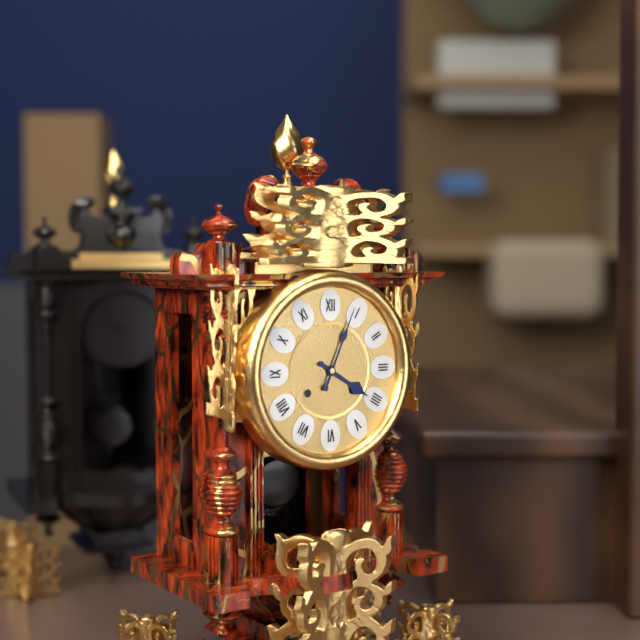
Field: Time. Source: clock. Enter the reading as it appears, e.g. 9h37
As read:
4h04
